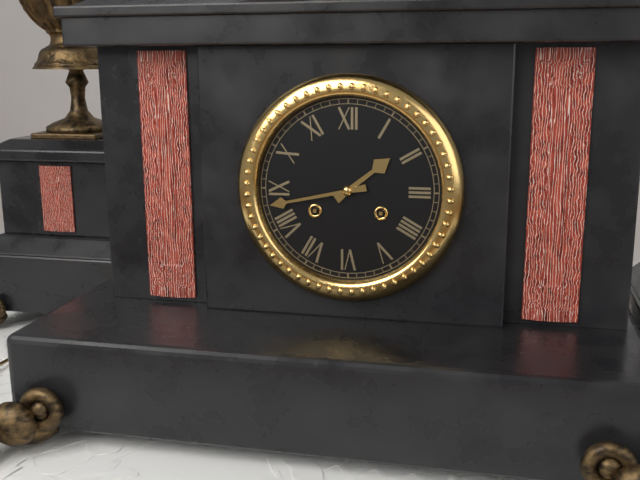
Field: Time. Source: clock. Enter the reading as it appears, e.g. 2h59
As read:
1h43
